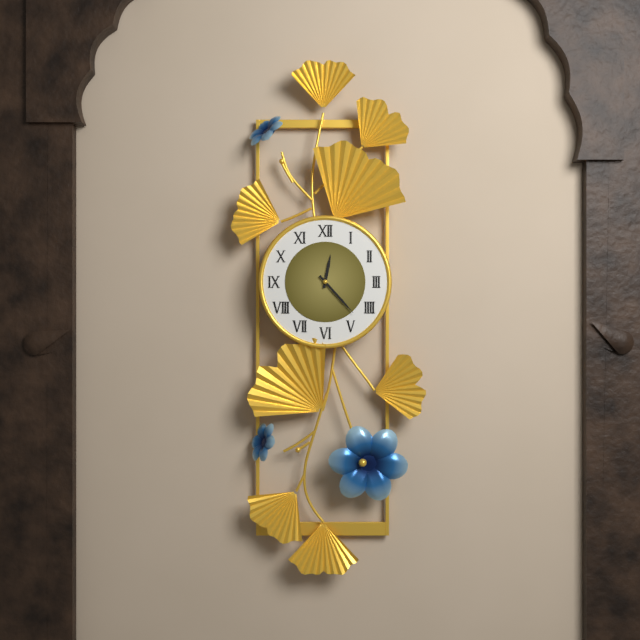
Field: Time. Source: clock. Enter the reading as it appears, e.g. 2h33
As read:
12h23
